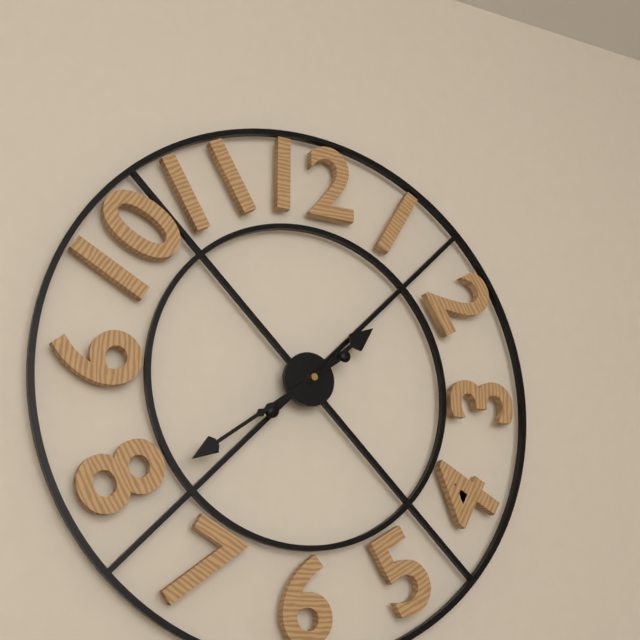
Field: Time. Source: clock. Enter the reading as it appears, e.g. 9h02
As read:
1h39
